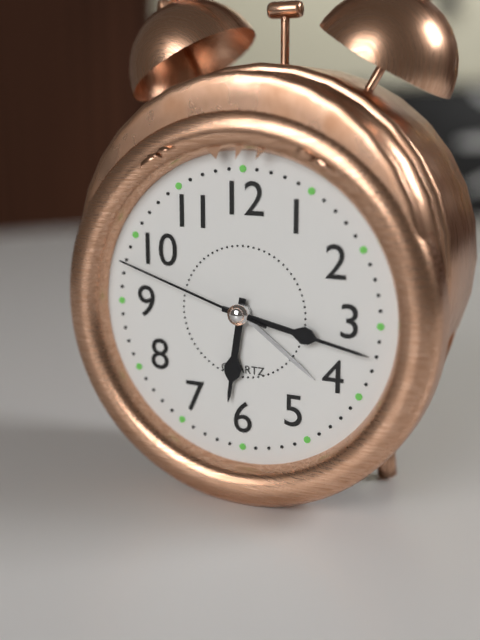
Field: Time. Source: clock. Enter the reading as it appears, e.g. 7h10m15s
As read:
6h17m48s
